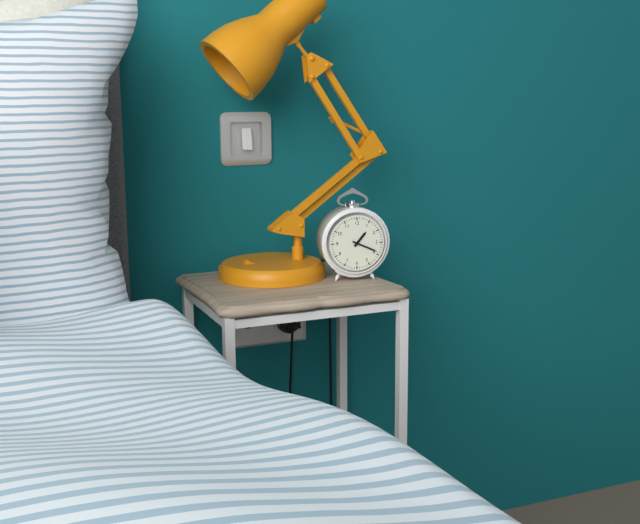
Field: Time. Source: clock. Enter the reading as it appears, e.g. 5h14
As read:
1h19
